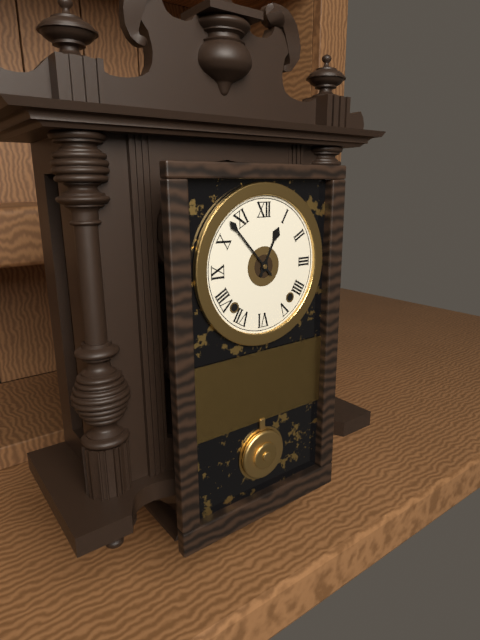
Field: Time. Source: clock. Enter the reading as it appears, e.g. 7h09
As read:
12h53
